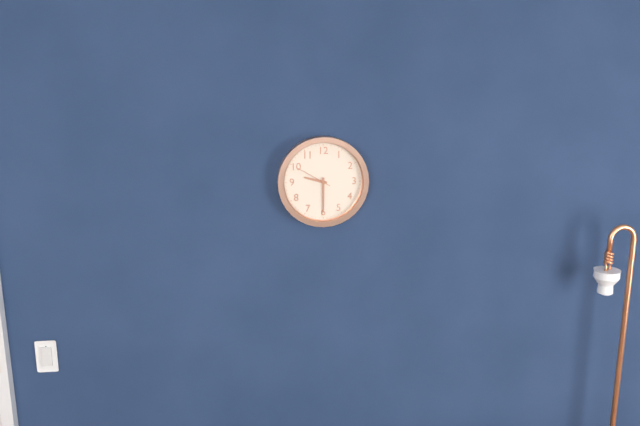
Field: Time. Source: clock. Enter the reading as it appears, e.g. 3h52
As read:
9h30
